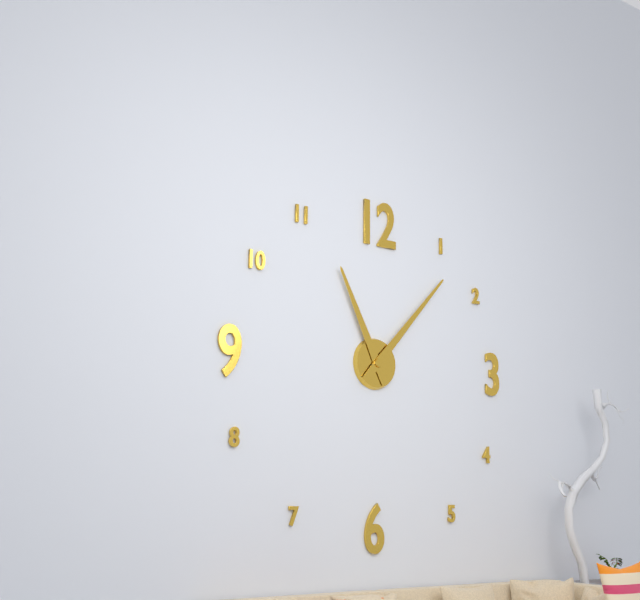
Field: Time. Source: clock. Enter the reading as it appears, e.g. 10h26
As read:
11h07
